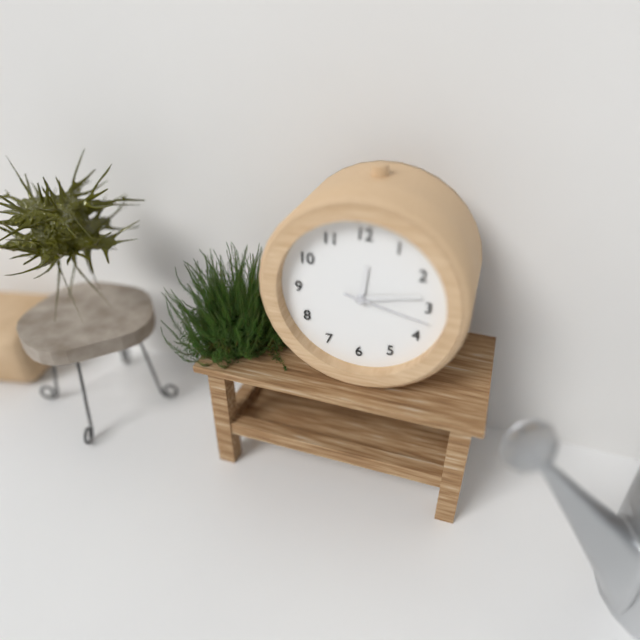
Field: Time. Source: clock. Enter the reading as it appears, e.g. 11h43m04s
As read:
12h13m17s
